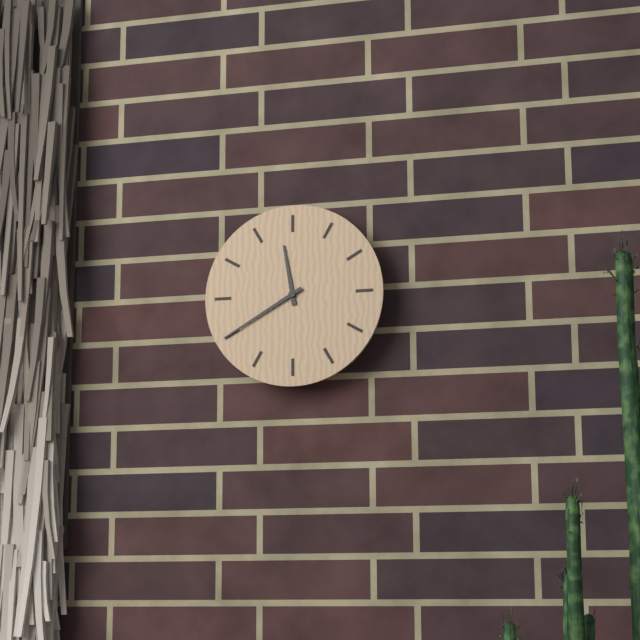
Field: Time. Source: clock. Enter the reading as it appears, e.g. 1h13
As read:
11h40
